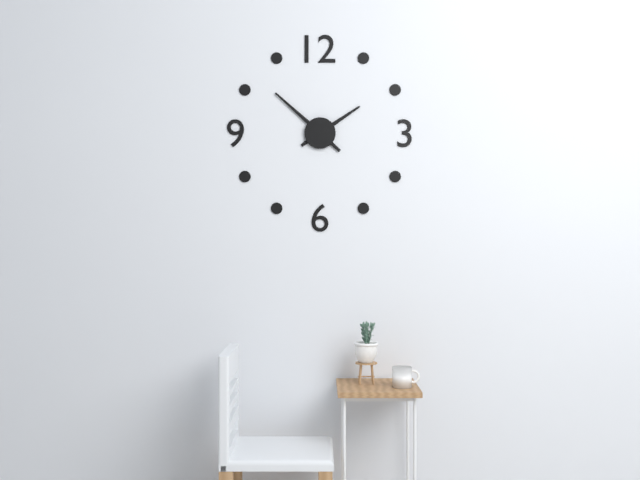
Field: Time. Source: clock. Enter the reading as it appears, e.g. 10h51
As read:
1h52
